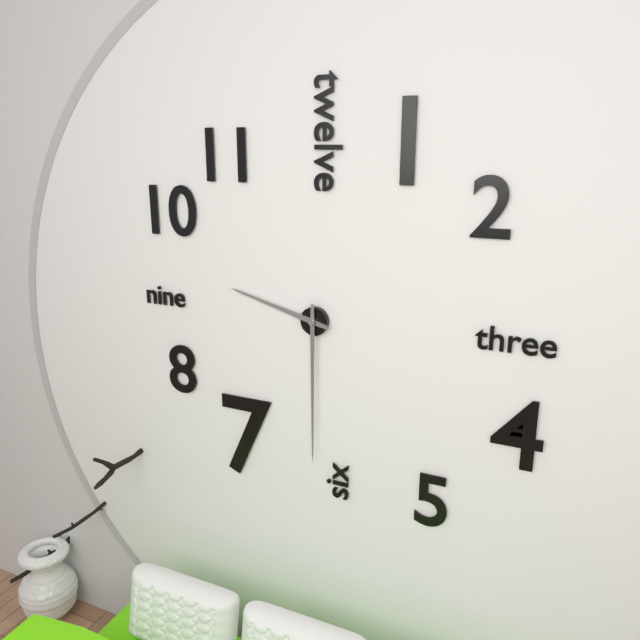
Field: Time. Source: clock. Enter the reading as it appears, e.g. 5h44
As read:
9h30
